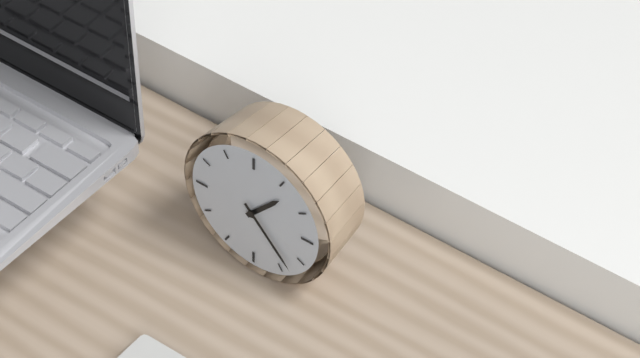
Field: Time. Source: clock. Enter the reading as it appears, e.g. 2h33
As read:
1h23
